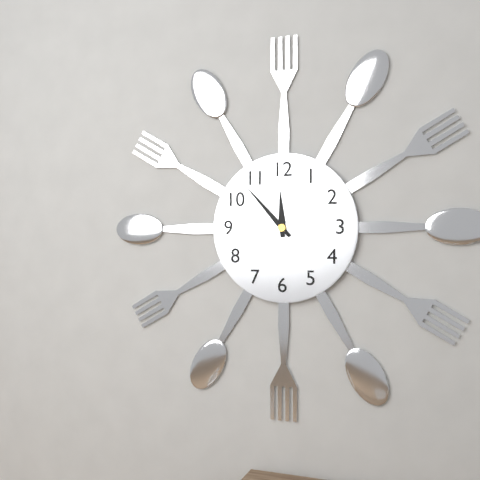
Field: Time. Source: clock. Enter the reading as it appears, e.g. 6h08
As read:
11h53
